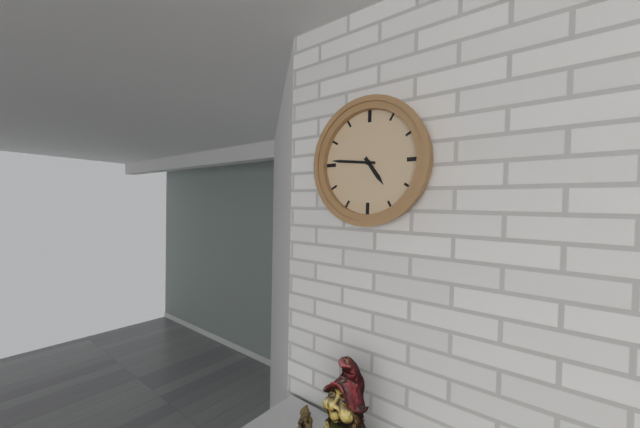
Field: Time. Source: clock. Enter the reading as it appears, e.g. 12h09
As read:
4h46
